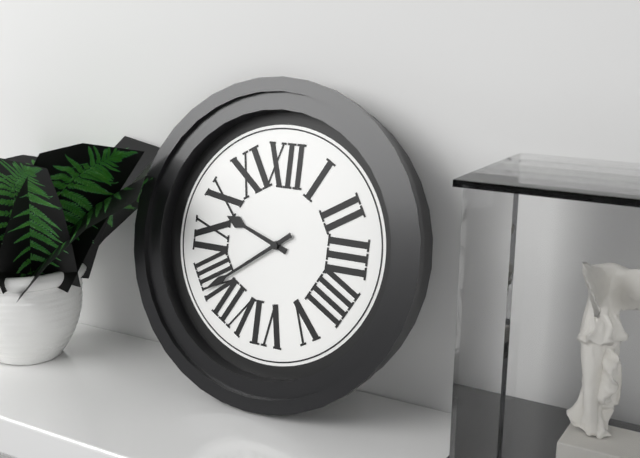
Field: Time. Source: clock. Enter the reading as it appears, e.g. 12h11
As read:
9h39
